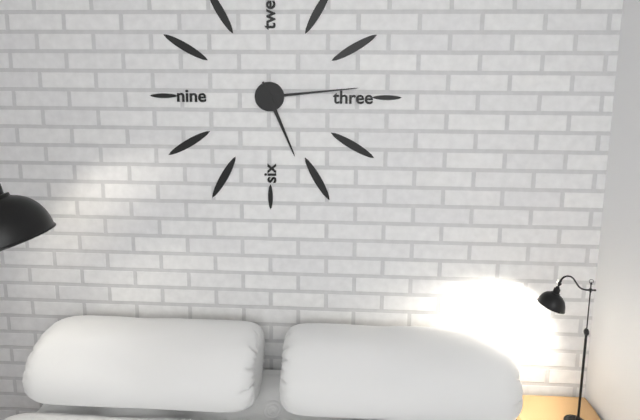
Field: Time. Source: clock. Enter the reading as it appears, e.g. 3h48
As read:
5h14
